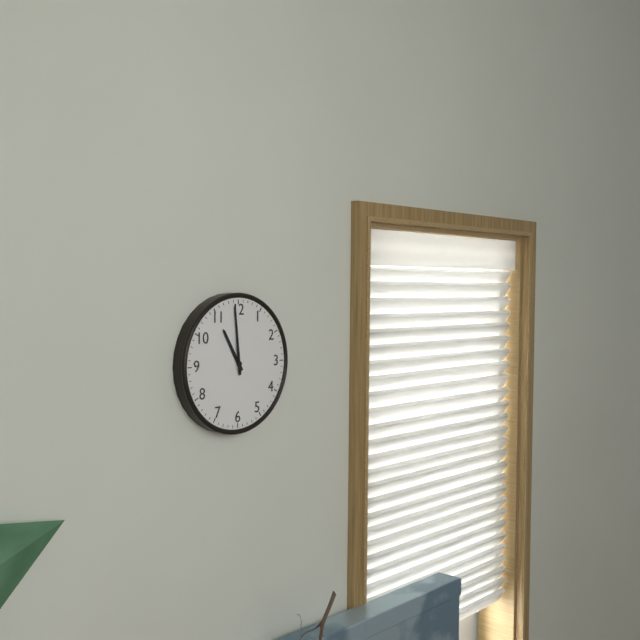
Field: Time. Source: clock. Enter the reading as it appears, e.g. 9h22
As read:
10h59
